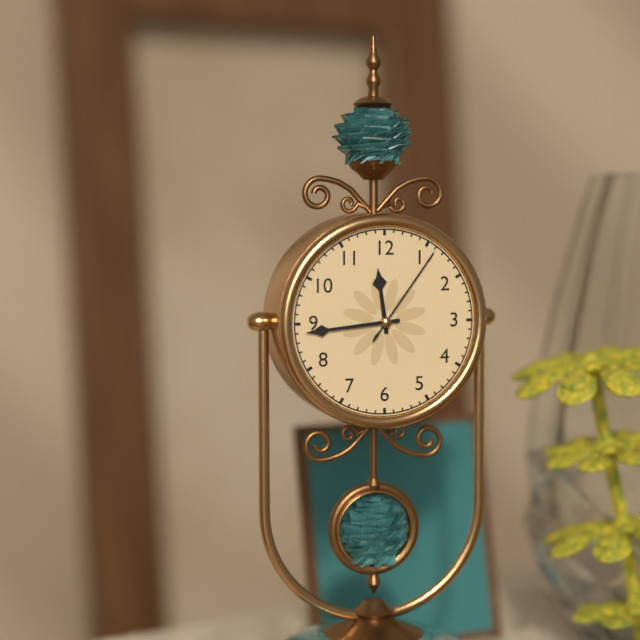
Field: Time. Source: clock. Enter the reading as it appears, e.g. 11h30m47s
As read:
11h44m06s
